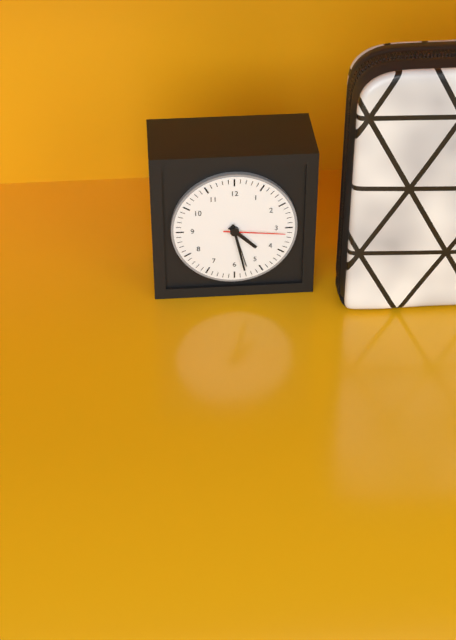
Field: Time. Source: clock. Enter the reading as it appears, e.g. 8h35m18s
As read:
4h28m16s
